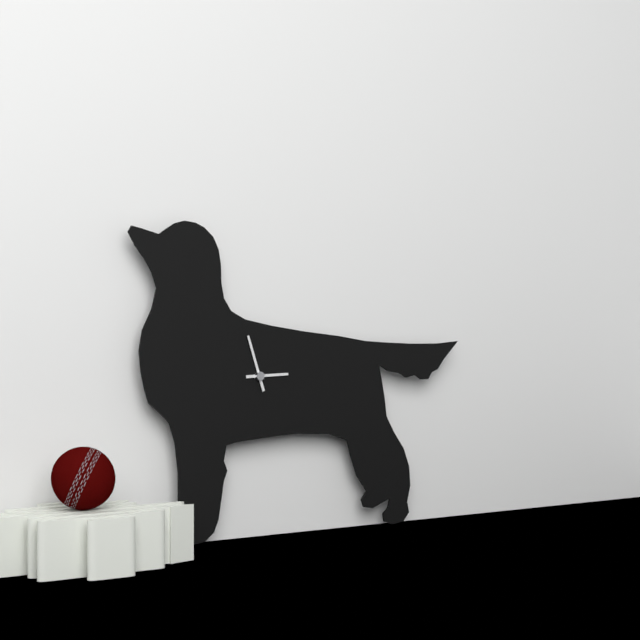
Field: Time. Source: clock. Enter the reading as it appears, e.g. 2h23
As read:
2h57
